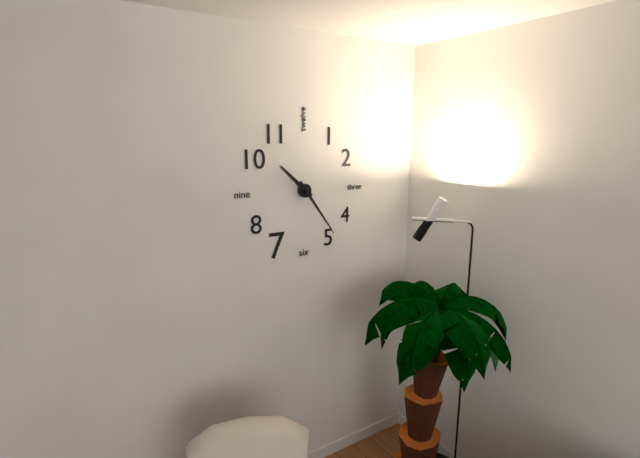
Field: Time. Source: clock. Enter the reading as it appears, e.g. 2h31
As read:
10h24
